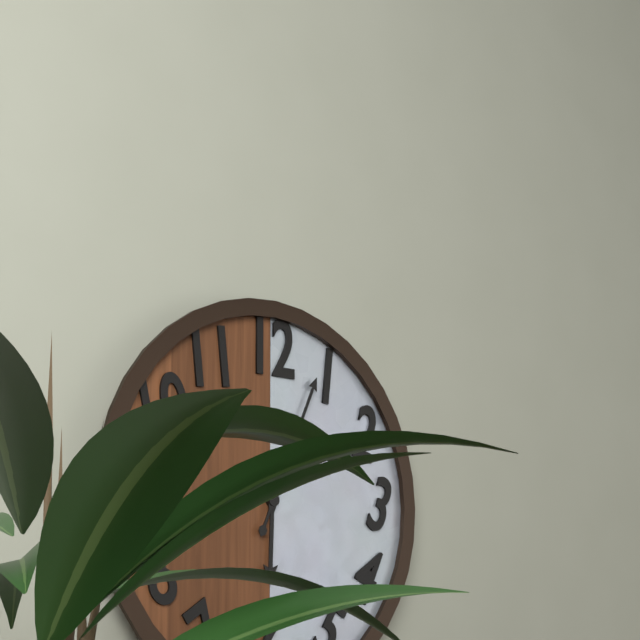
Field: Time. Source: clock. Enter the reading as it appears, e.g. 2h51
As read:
6h04
